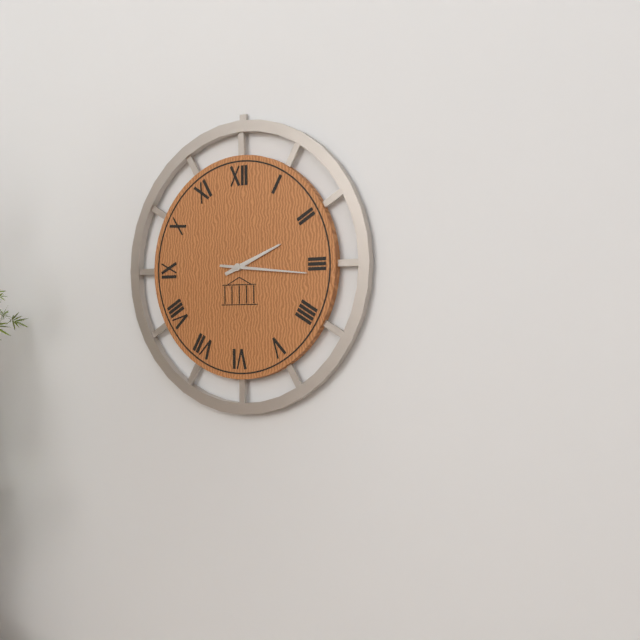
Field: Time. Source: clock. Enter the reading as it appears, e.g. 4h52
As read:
2h16
